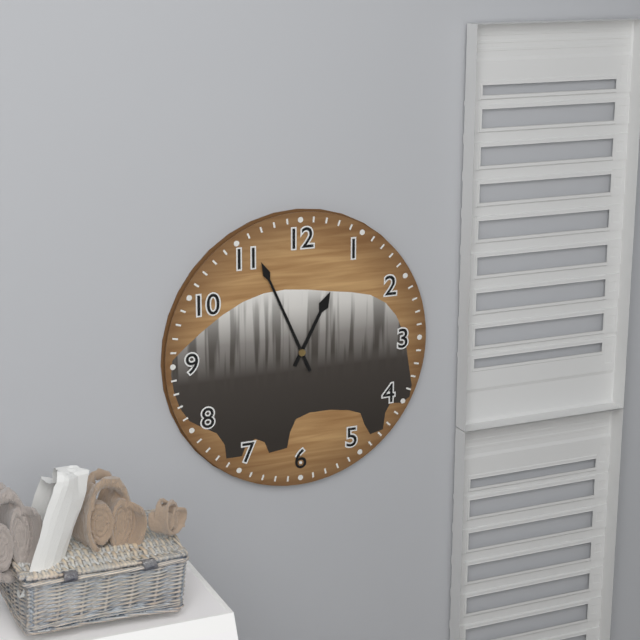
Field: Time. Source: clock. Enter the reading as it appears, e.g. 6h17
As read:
12h56
